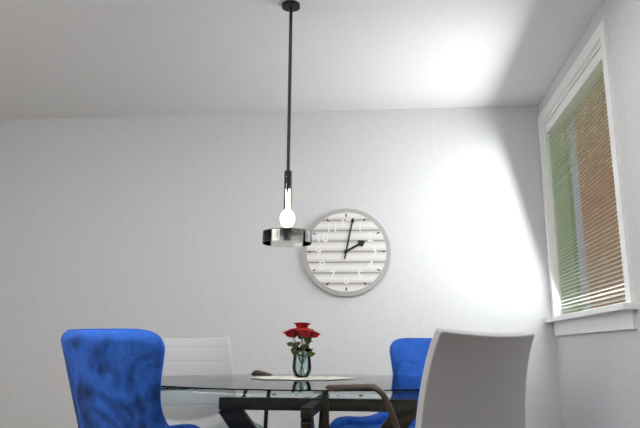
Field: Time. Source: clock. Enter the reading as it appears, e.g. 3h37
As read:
2h02
